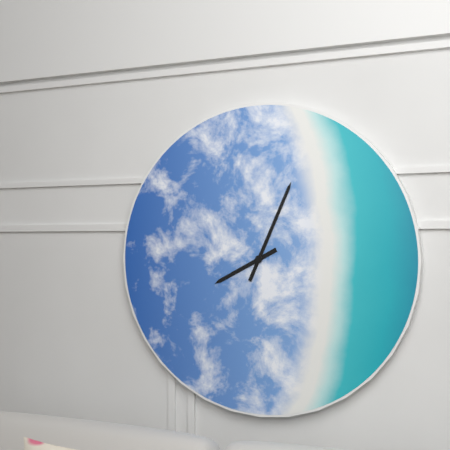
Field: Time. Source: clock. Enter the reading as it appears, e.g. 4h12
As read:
8h04
